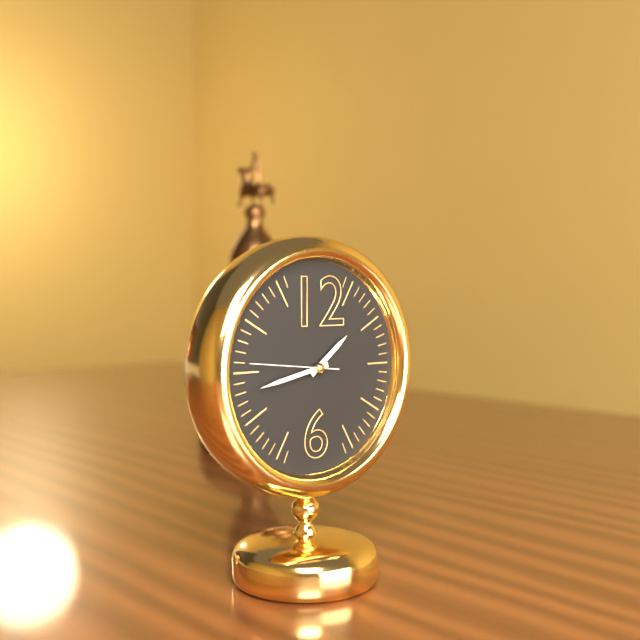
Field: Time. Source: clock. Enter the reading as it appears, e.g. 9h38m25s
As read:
1h43m46s
